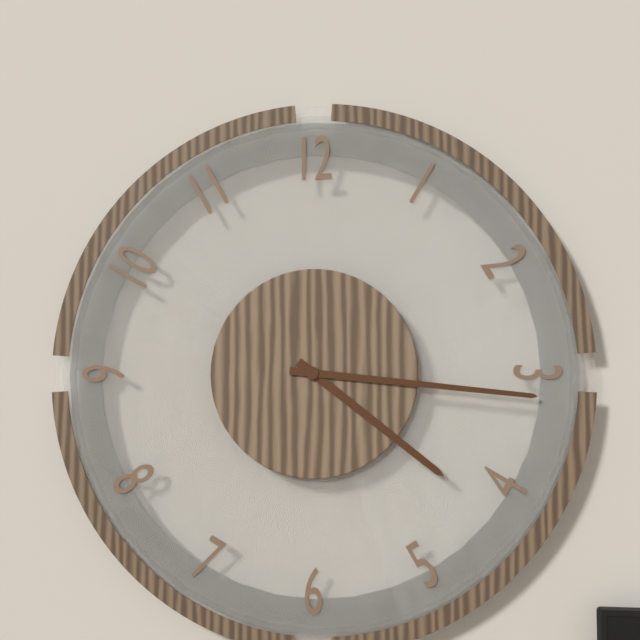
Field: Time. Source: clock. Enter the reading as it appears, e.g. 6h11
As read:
4h16
